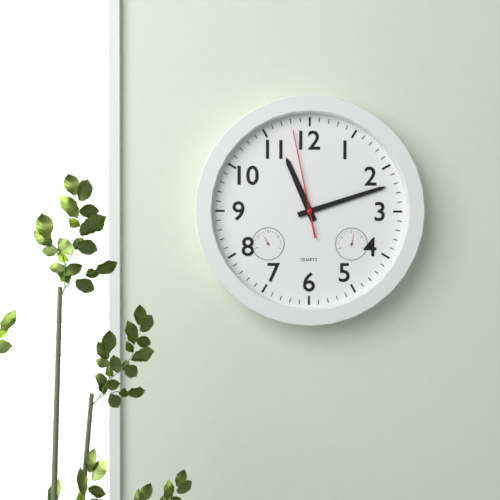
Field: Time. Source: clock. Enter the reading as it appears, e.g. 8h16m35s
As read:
11h12m58s
